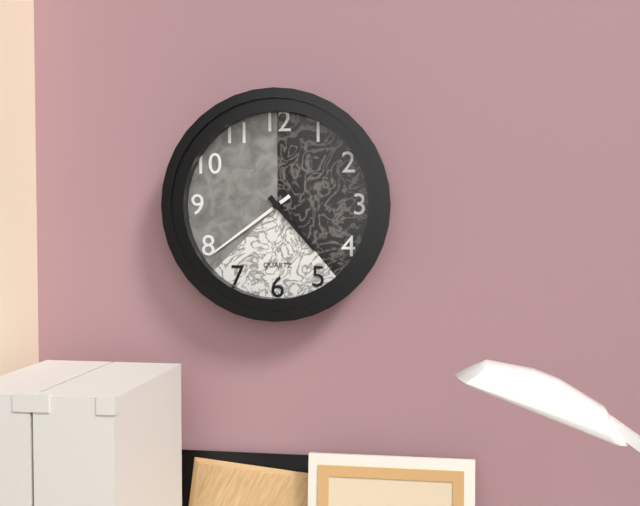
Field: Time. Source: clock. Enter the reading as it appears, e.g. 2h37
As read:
4h39
